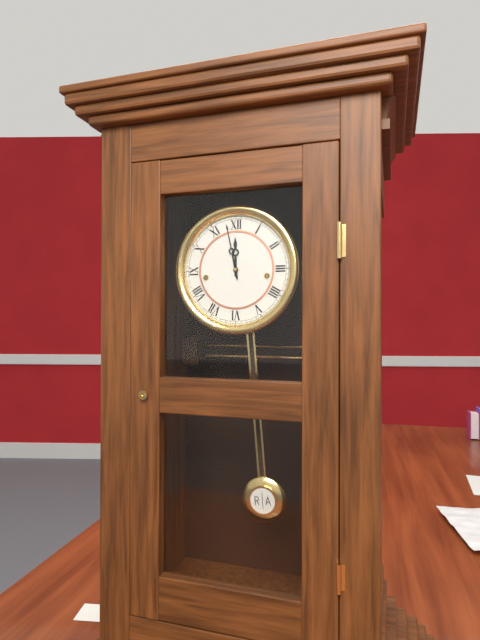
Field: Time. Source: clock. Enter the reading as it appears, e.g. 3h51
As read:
11h58
